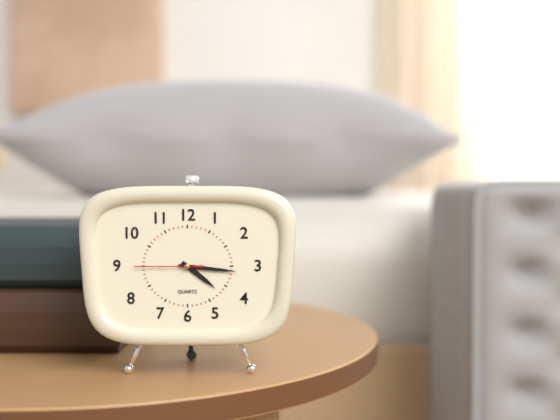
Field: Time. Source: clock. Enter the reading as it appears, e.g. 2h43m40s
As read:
4h16m45s
